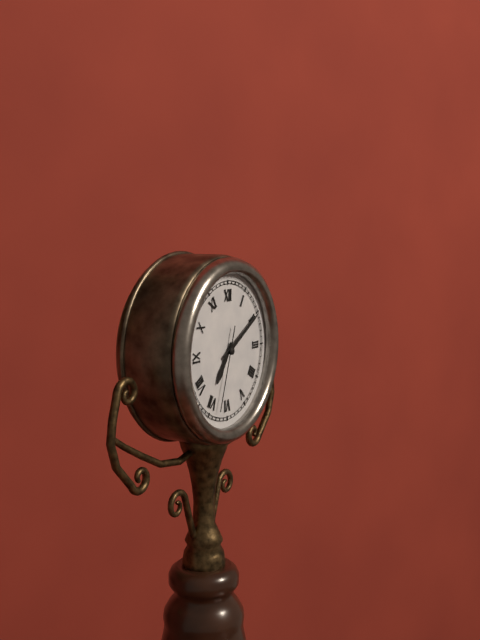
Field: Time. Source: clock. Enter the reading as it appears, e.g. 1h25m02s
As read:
7h10m33s
